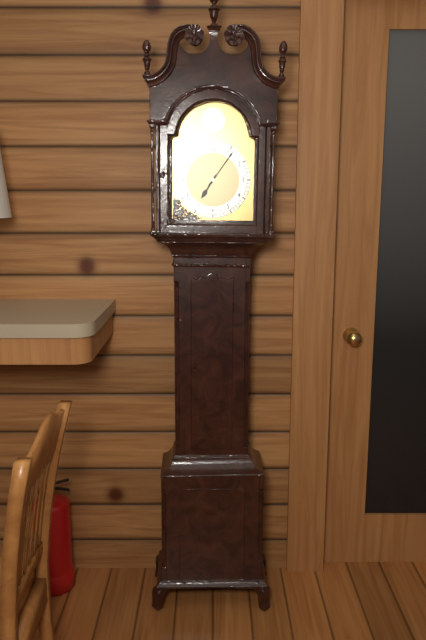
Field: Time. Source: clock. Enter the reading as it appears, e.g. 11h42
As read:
7h06
